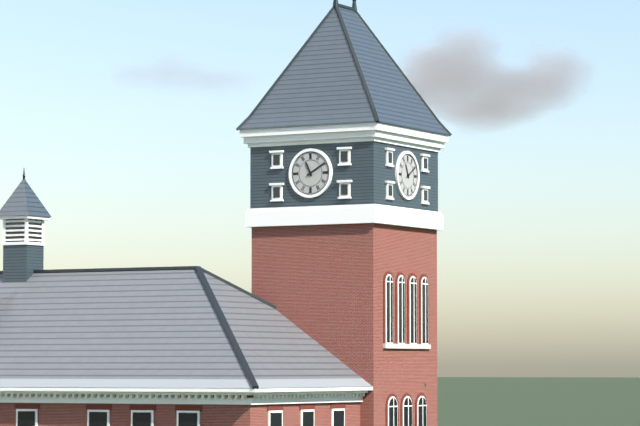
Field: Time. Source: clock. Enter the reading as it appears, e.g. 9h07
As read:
11h10
